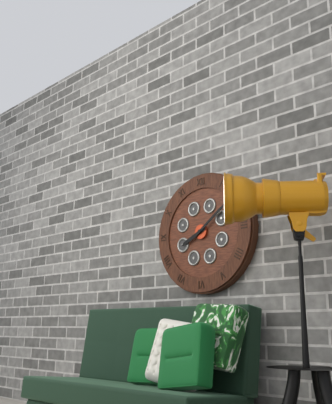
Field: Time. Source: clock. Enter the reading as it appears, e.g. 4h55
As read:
8h09
